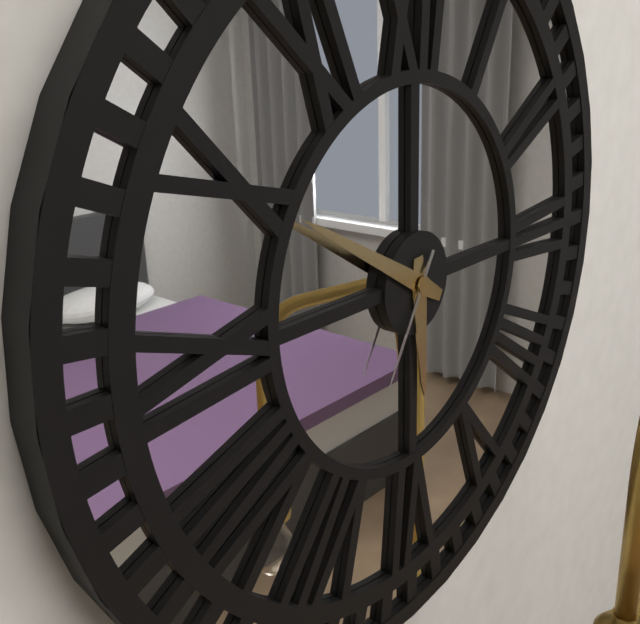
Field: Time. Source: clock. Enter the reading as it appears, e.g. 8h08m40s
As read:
5h50m35s
